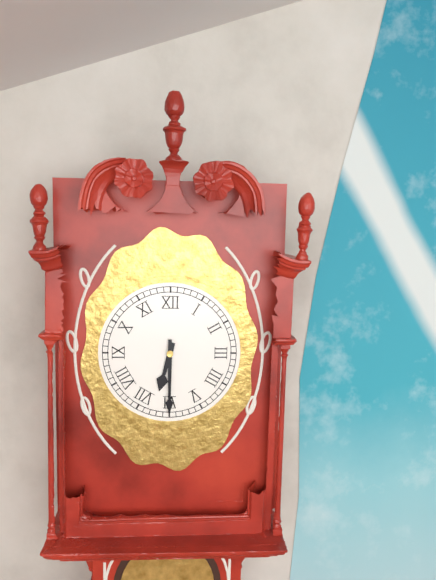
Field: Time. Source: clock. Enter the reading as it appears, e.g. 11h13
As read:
6h30
